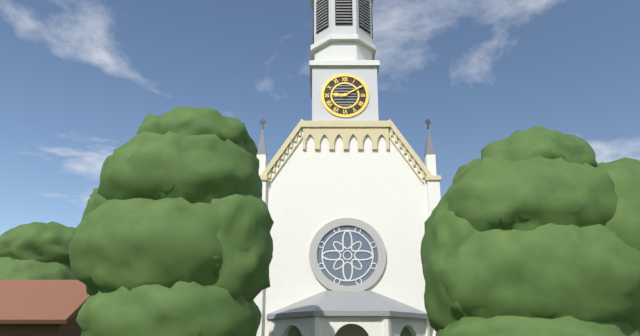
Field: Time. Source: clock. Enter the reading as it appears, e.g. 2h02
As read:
9h10
